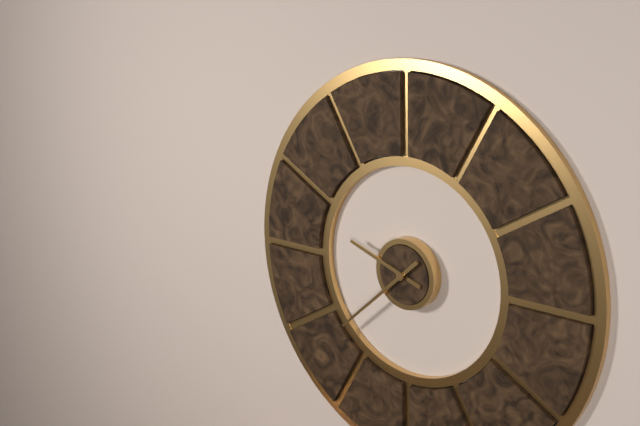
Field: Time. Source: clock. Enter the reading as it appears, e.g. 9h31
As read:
9h38
